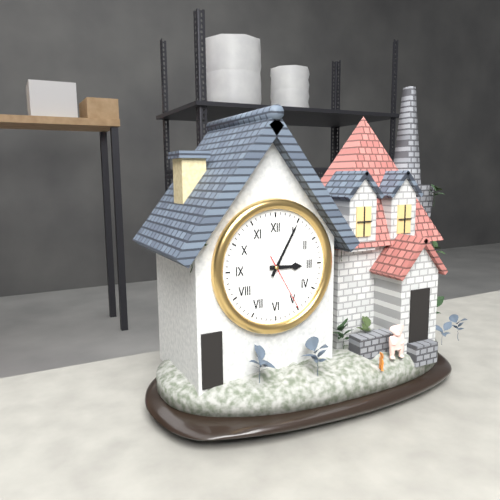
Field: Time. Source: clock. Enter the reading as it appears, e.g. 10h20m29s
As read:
3h05m25s
